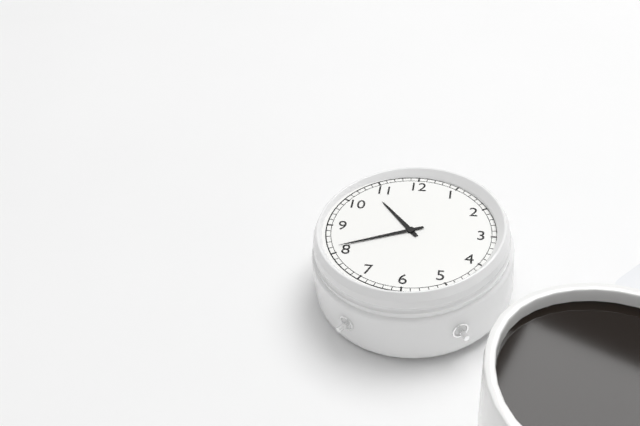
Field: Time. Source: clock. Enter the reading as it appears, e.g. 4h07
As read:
10h41
